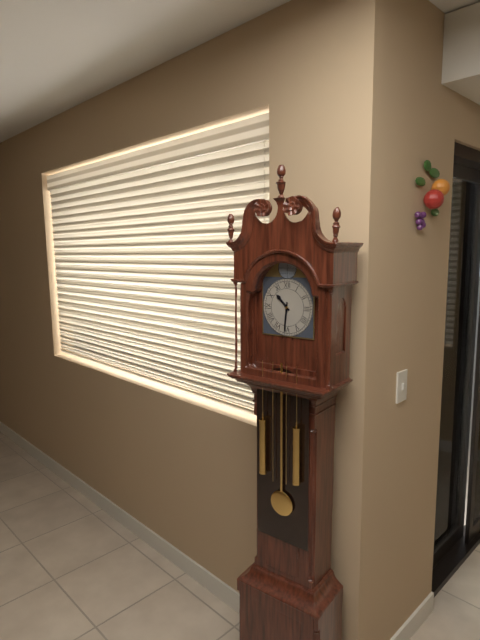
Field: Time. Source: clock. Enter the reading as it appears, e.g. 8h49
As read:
10h31
